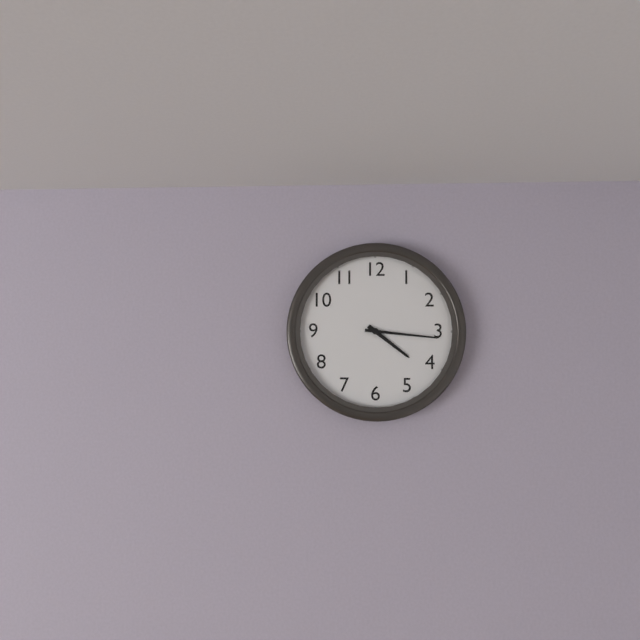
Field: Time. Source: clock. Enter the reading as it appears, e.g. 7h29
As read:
4h16
